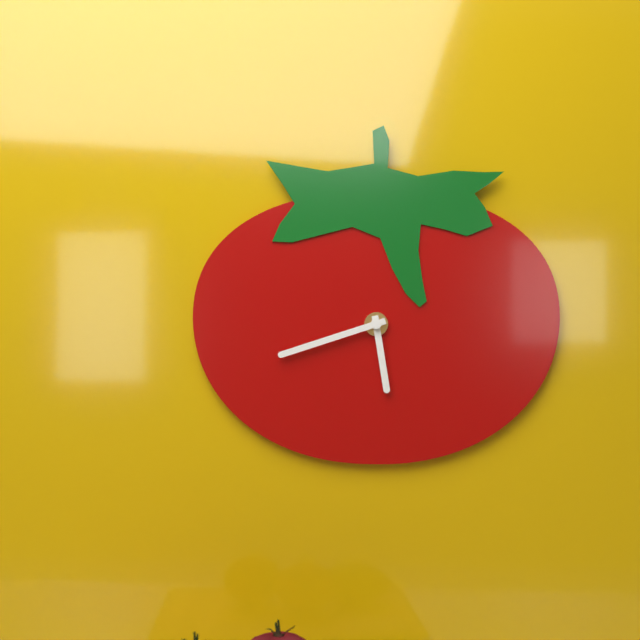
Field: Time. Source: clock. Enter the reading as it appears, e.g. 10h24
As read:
5h42
